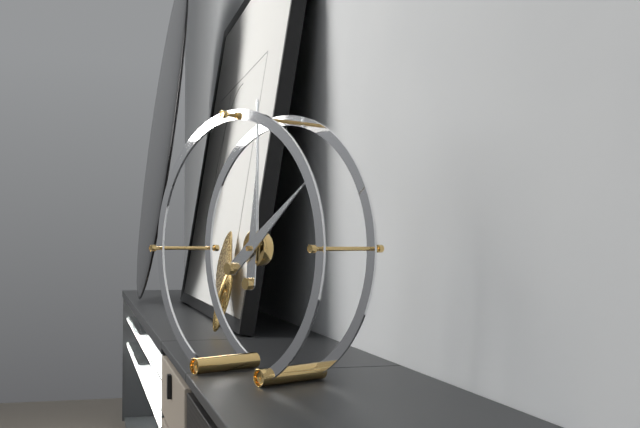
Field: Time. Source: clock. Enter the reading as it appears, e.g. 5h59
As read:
12h09
